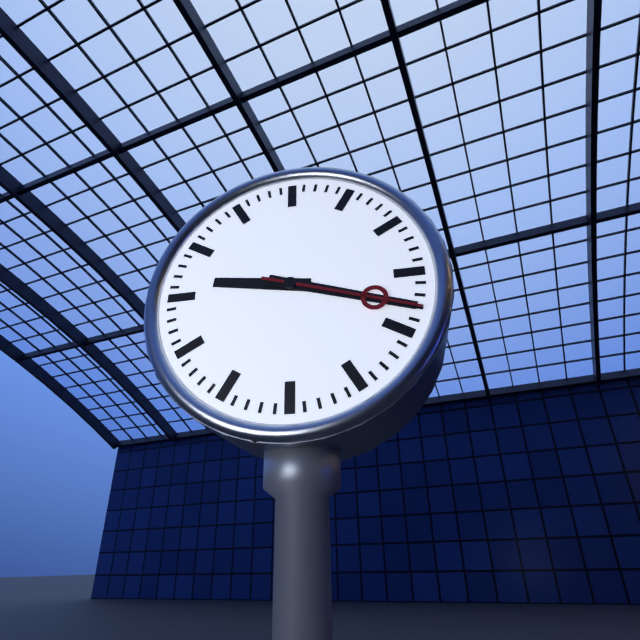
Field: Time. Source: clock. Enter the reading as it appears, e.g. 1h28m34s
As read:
9h18m18s
